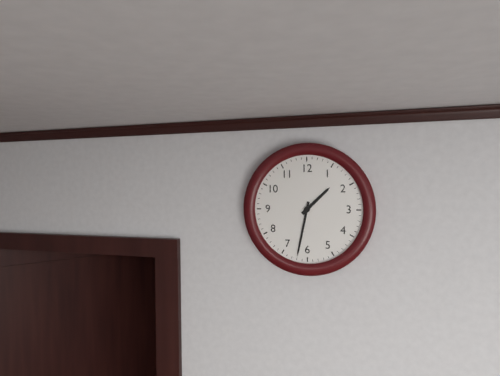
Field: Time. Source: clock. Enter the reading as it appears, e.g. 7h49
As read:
1h32
